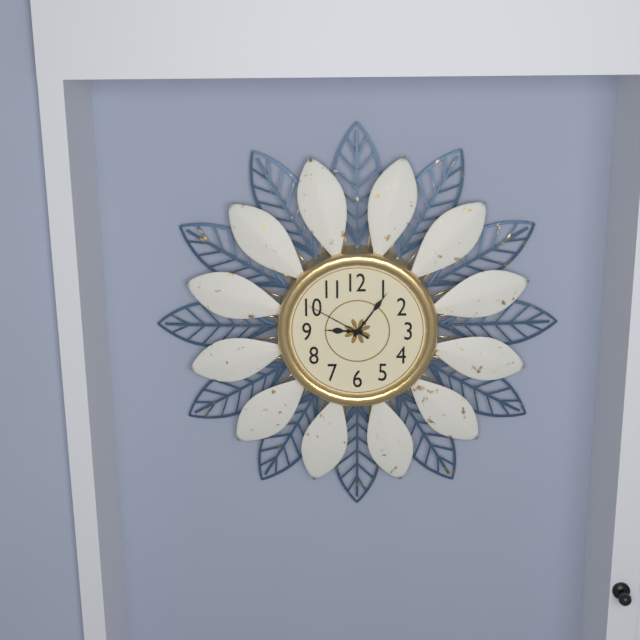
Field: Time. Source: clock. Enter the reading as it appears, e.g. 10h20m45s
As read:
9h06m50s
